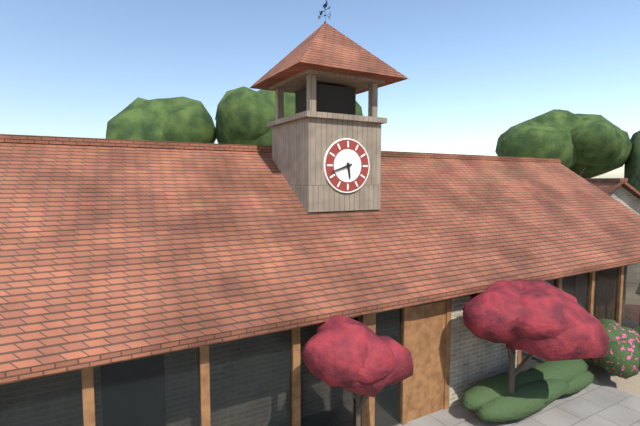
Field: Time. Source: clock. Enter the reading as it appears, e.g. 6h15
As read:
5h42
